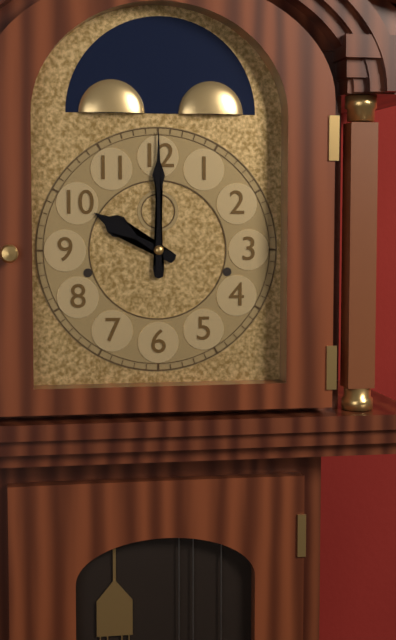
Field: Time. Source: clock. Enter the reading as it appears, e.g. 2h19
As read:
10h00
